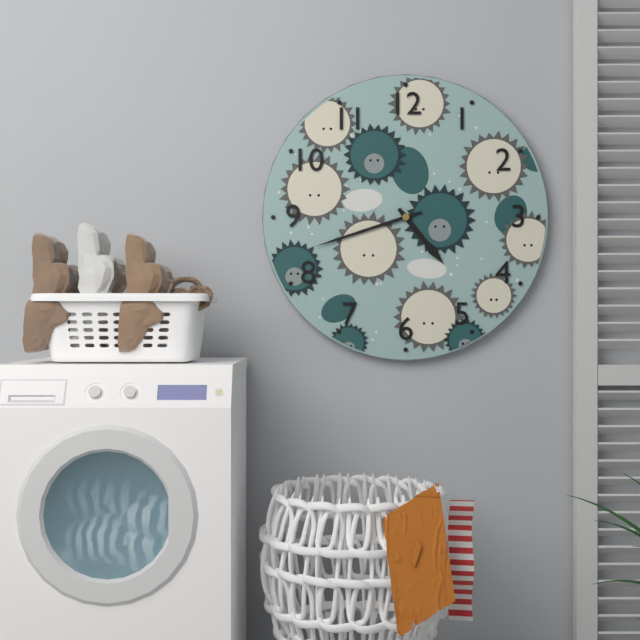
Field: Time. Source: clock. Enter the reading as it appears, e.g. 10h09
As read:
4h42
